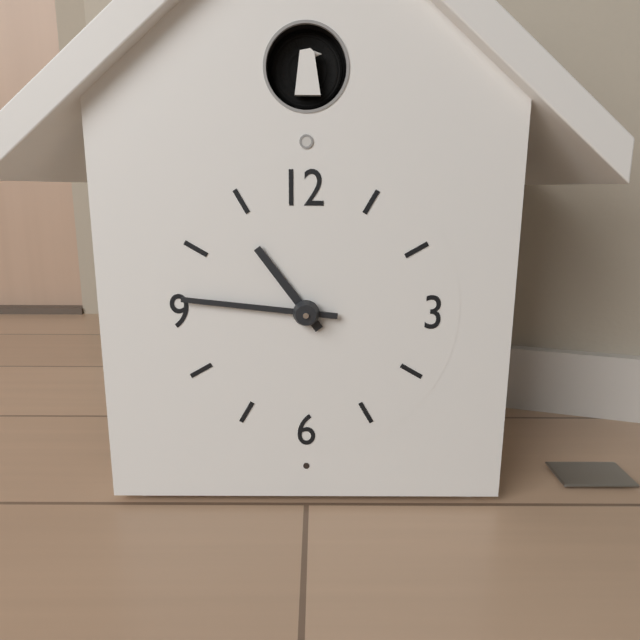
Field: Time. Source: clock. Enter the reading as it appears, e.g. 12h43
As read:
10h46
